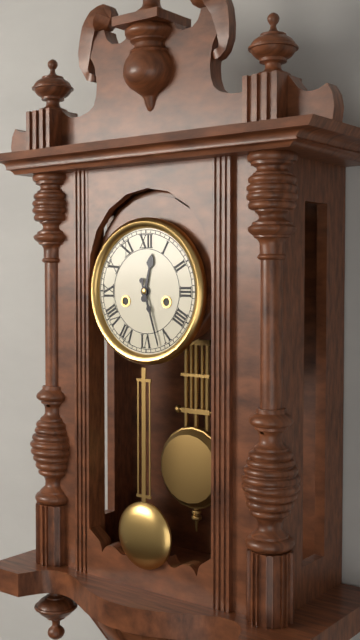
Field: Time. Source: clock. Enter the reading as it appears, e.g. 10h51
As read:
12h27
